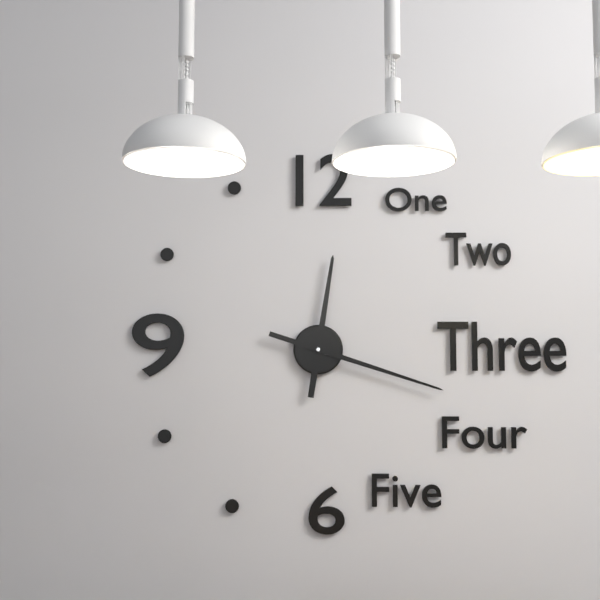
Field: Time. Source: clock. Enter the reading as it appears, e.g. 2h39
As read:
12h18
